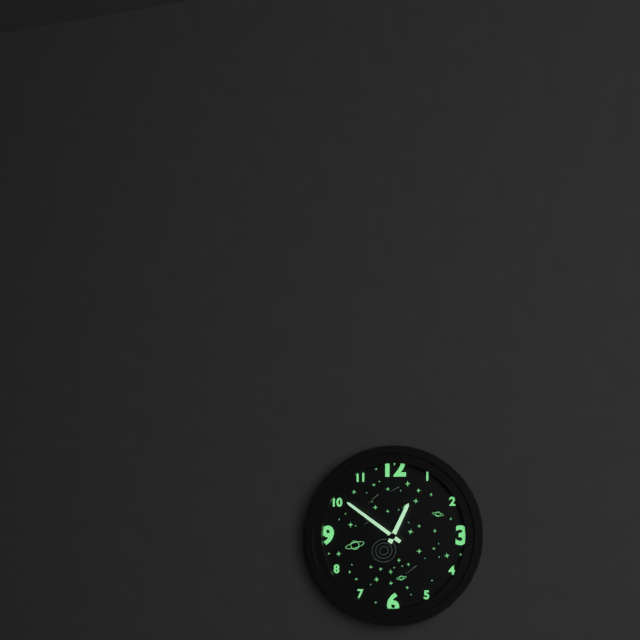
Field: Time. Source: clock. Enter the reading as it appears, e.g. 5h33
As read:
12h51
